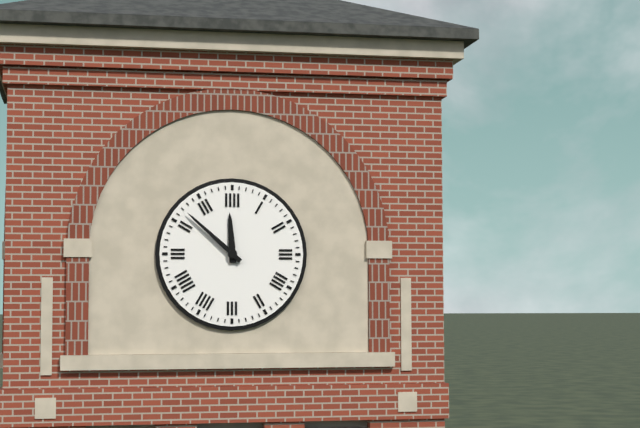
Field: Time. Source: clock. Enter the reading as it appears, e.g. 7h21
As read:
11h52
